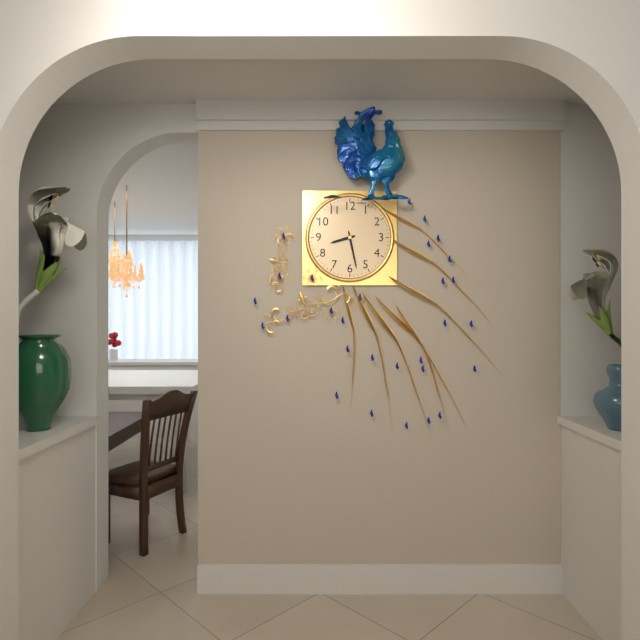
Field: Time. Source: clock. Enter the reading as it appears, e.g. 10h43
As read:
8h28
